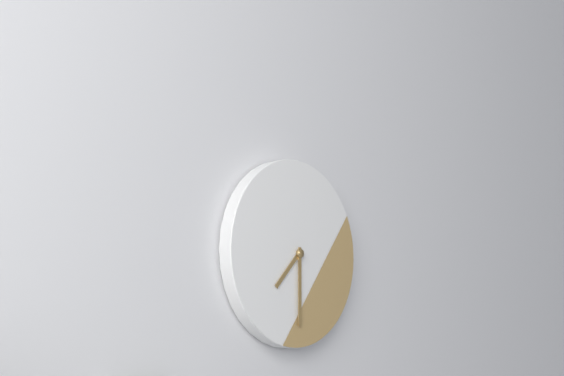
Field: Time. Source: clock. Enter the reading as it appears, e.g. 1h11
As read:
7h30
